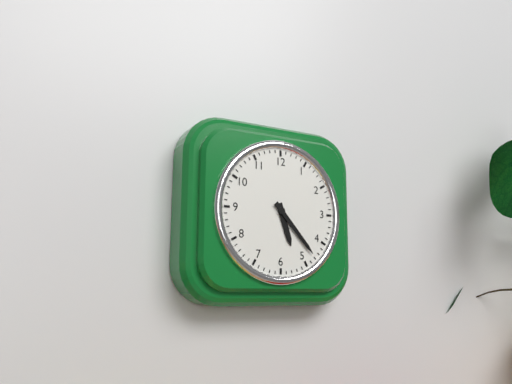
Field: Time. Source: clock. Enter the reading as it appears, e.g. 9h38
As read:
5h23
